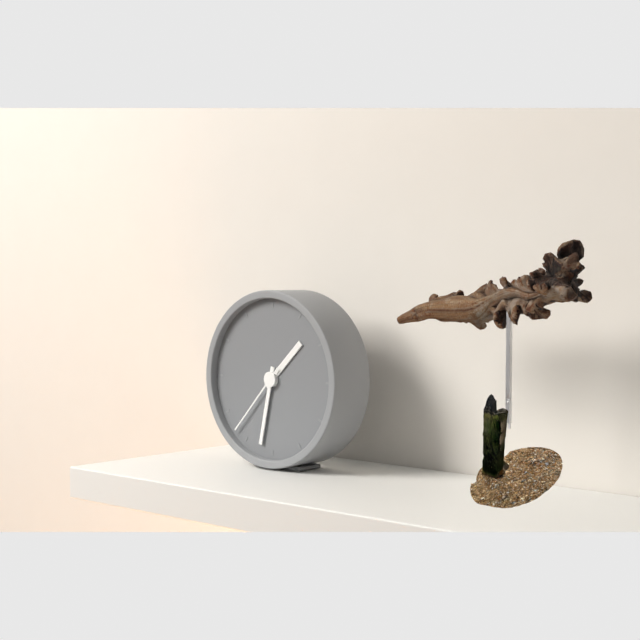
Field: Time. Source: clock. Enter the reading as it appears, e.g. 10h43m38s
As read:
1h32m37s
